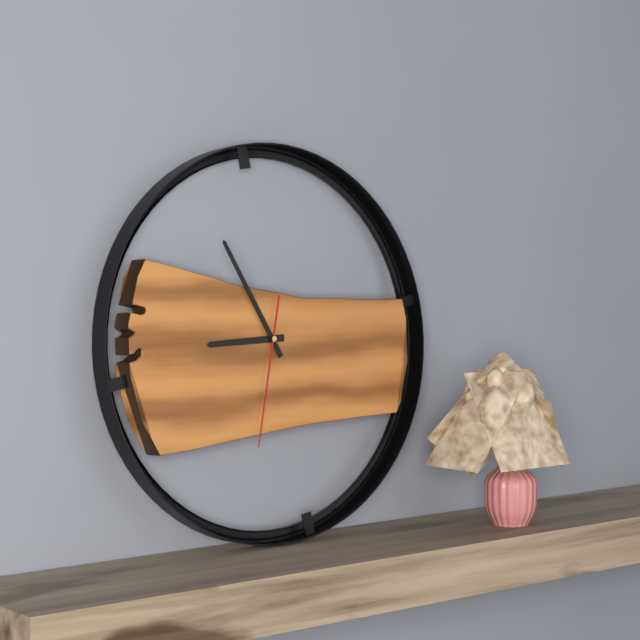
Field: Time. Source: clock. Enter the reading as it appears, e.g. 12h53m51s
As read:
8h55m32s
